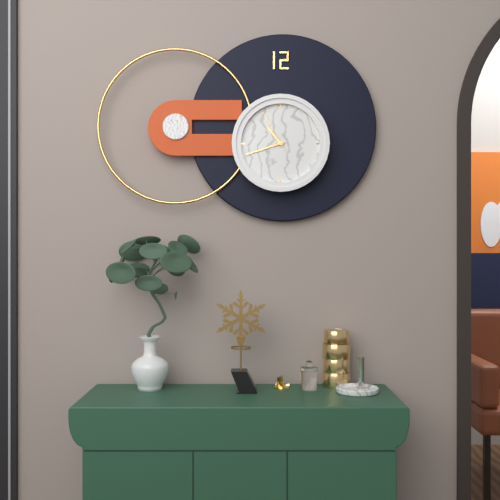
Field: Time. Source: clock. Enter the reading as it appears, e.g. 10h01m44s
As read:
10h42m55s
